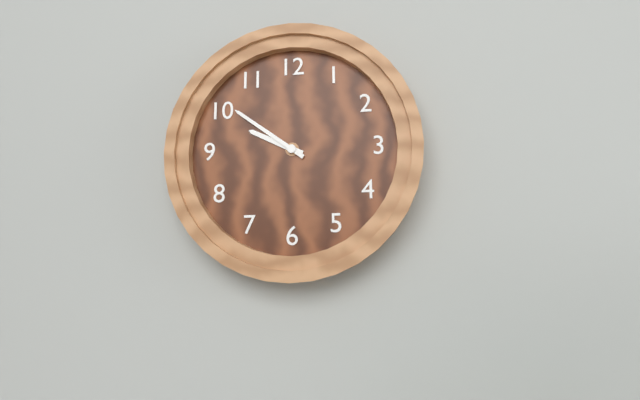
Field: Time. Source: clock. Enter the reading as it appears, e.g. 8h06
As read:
9h51
